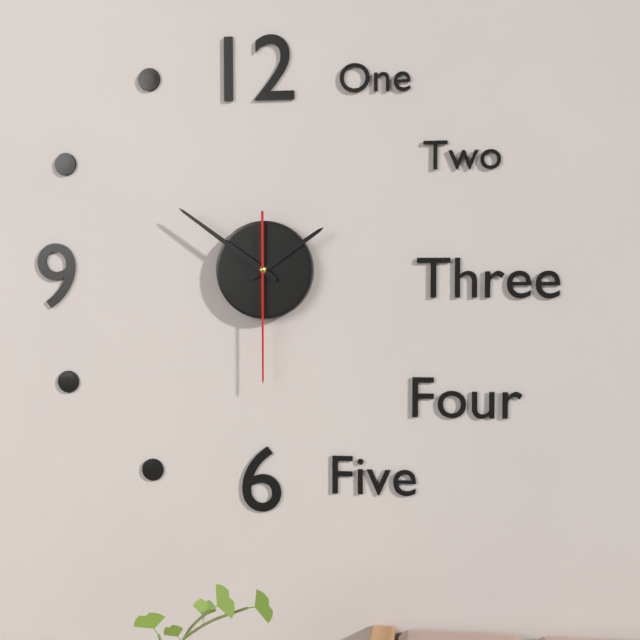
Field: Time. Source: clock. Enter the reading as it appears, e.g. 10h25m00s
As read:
1h51m30s
